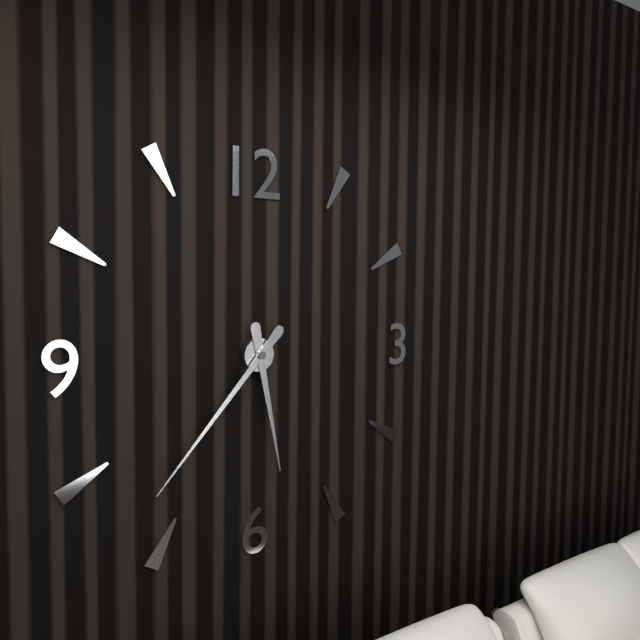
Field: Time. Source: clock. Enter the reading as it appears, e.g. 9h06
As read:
5h37
